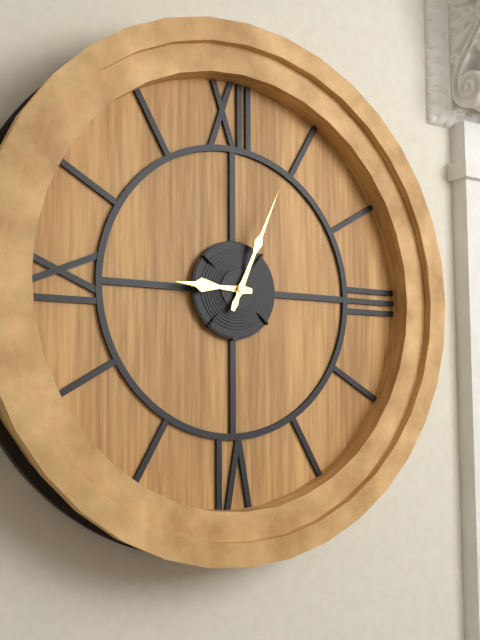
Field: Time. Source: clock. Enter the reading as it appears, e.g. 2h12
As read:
9h04
